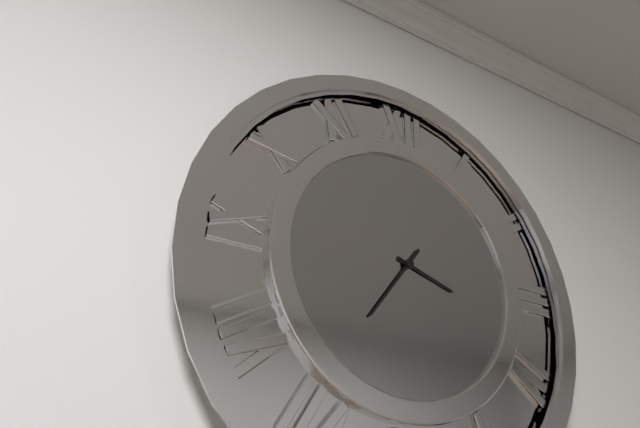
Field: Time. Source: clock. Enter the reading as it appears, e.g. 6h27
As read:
3h36
